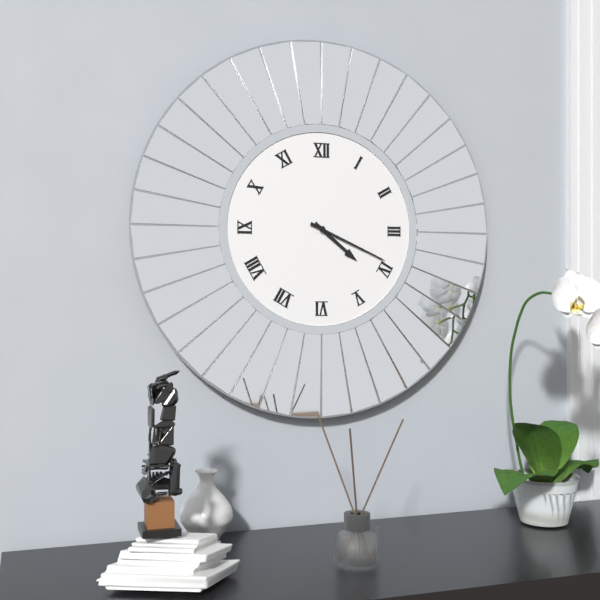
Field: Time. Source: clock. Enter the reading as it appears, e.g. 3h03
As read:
4h19
